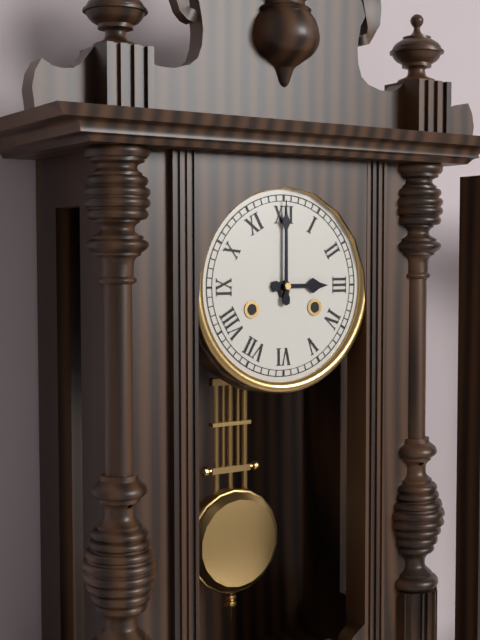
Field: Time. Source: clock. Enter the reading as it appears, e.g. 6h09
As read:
3h00
